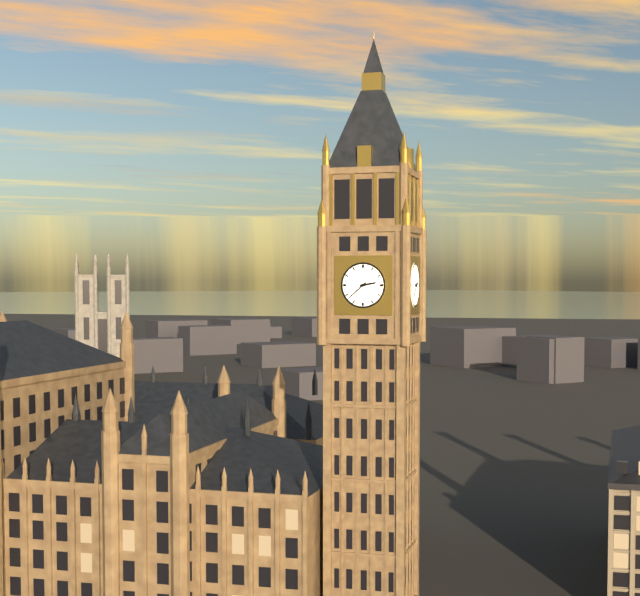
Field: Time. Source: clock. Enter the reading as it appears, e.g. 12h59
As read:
2h38
